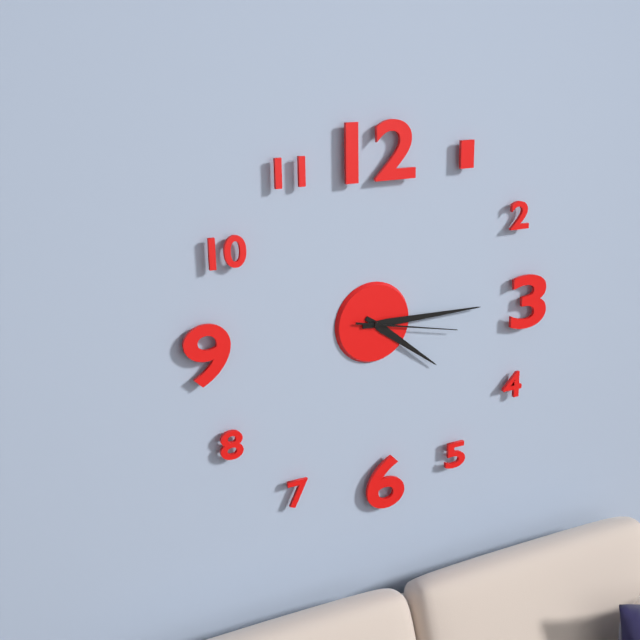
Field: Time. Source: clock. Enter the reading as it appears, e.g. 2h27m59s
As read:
4h15m17s
